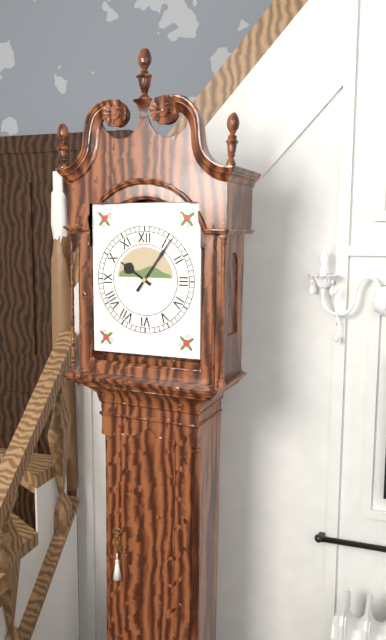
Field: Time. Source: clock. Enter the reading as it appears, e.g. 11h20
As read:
10h06
